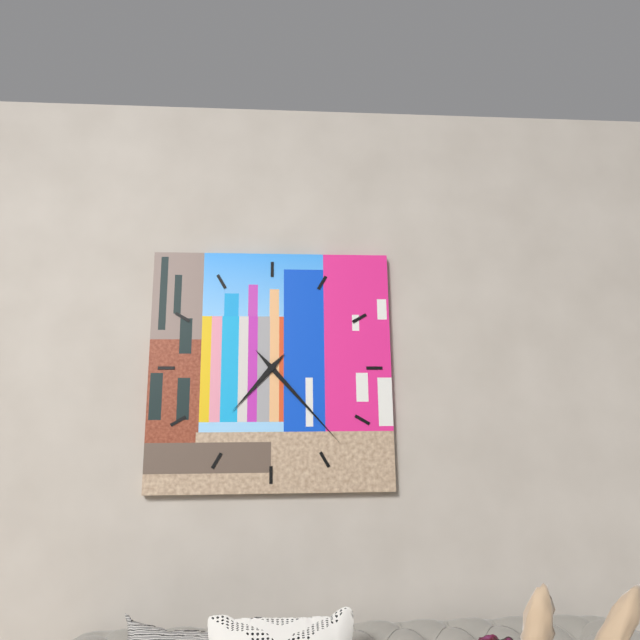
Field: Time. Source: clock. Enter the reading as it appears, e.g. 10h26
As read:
7h23
